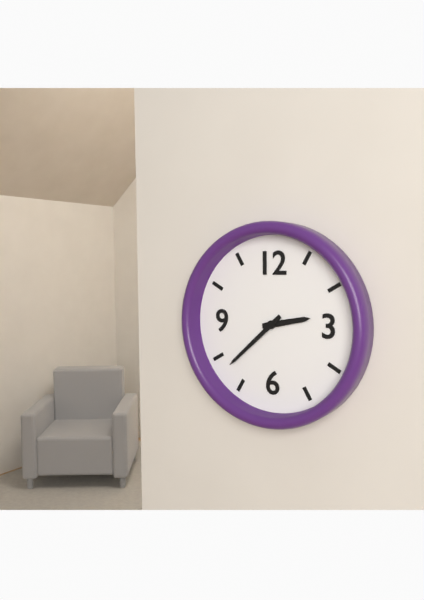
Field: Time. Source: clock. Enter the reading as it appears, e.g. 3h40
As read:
2h38
